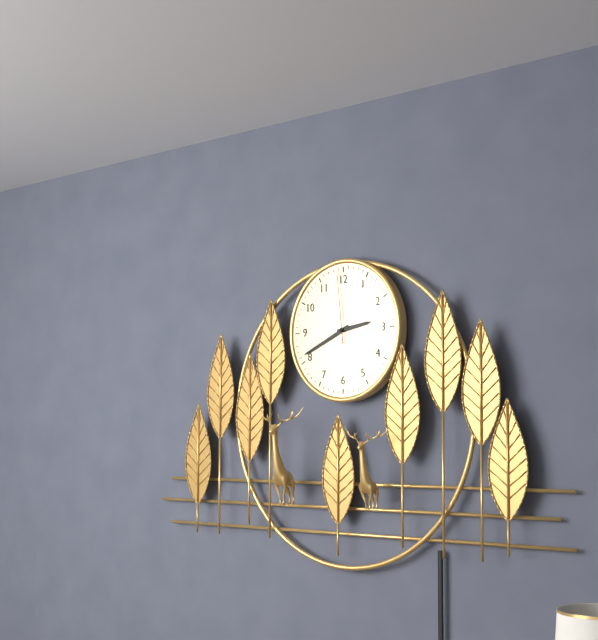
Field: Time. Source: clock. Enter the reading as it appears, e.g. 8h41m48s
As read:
2h41m59s
